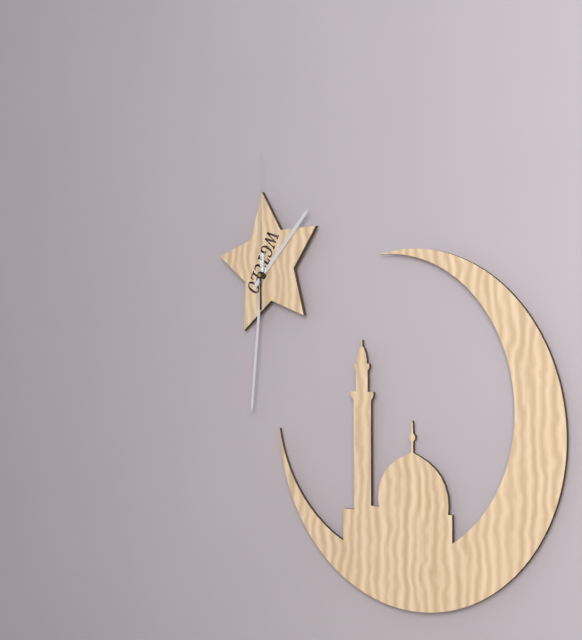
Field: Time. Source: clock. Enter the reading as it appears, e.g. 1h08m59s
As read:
1h31m00s
